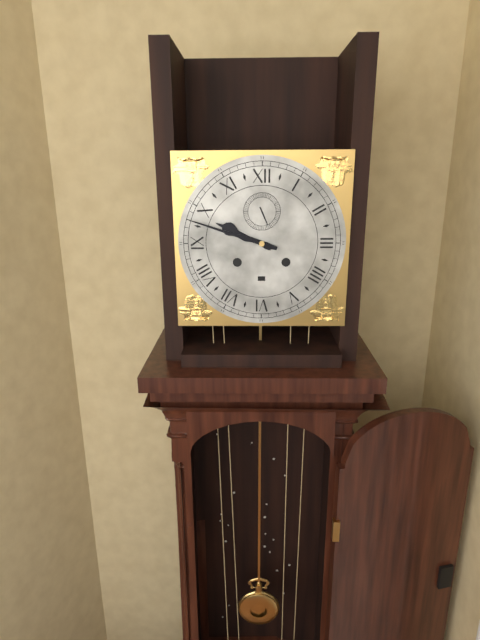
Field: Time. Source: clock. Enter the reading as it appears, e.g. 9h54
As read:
9h48
